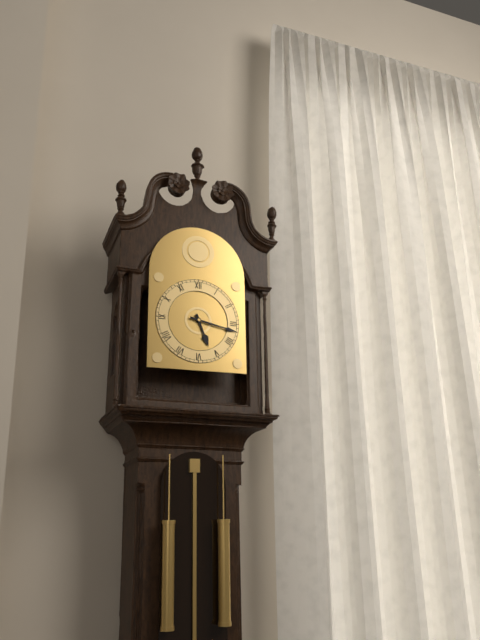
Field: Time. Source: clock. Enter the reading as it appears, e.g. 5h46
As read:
5h17
